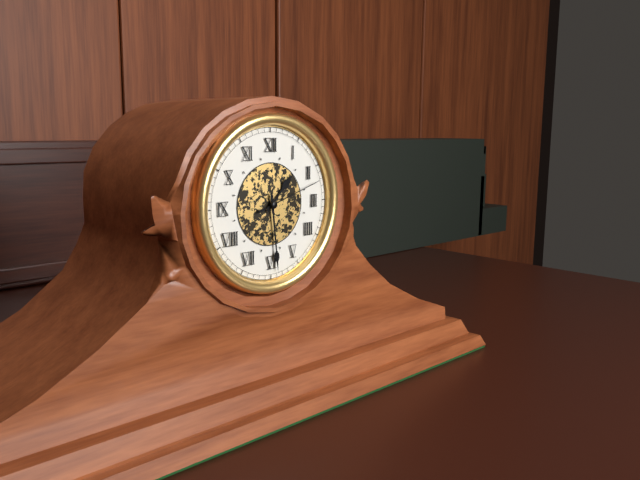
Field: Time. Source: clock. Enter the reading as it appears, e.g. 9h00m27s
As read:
1h29m12s
